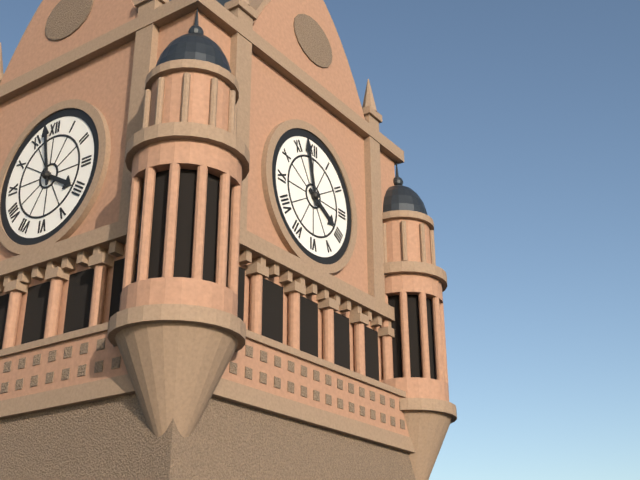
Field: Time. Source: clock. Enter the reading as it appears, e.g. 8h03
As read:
3h58
